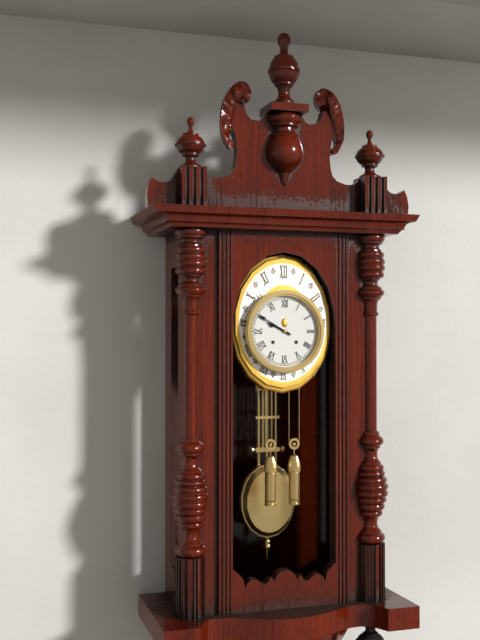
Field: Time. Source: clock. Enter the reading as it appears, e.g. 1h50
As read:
9h50
